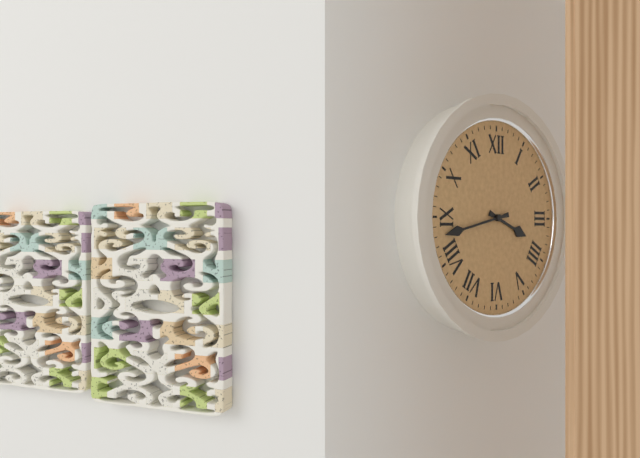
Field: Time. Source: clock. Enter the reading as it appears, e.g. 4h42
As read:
3h43
